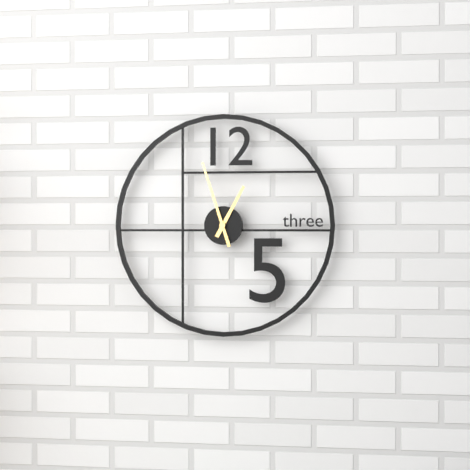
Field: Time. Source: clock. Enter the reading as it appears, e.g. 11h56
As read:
12h57
